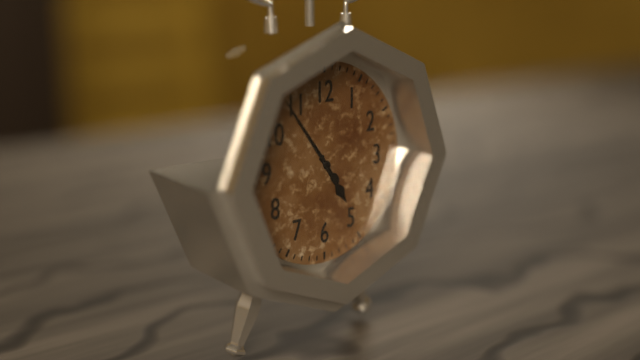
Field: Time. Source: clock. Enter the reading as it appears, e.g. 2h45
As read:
4h54
